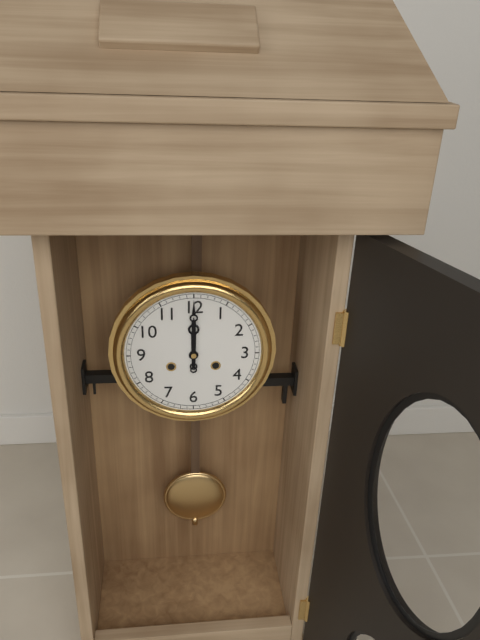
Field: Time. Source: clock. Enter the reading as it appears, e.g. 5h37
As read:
12h00
